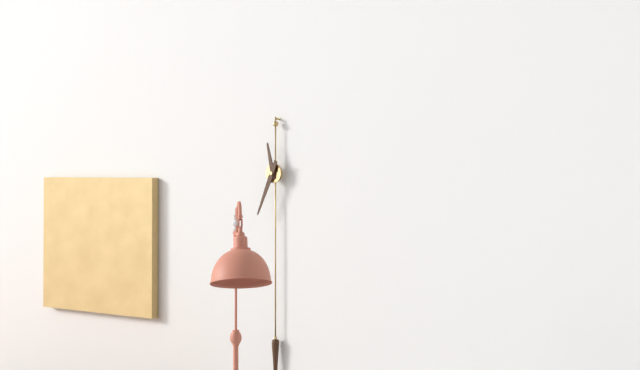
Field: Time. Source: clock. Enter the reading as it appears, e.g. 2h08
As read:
11h34
